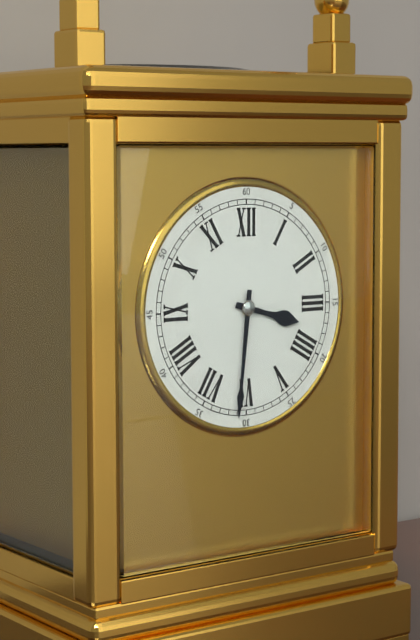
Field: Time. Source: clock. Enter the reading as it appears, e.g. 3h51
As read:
3h31
